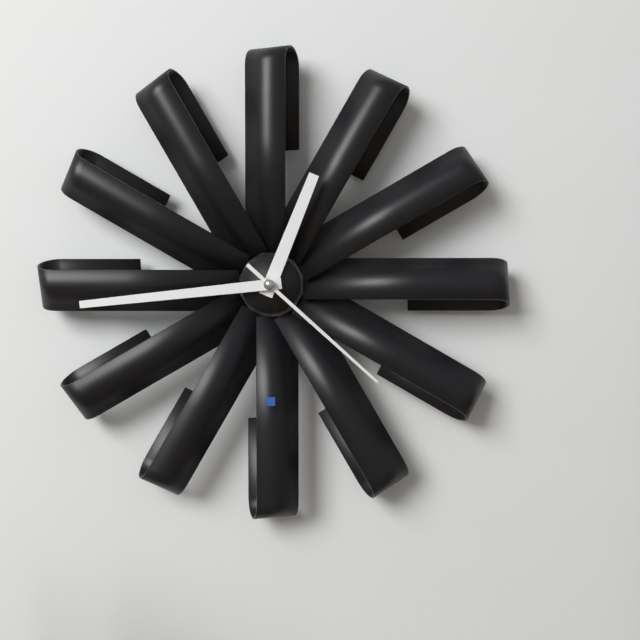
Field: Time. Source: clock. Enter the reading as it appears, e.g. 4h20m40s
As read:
12h44m22s
